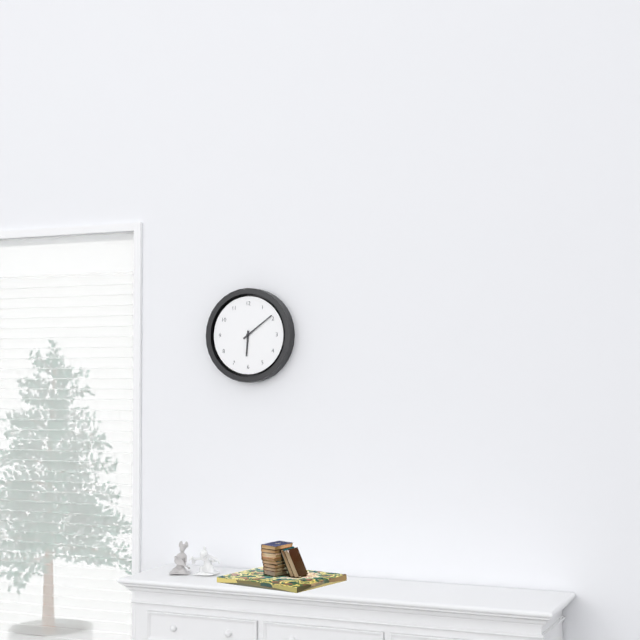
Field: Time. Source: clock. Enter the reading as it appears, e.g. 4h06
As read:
6h09
